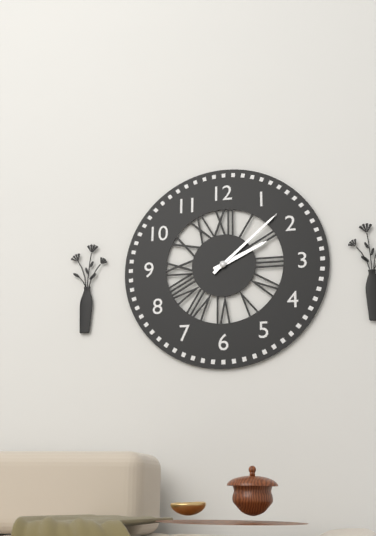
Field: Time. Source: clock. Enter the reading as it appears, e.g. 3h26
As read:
2h08
